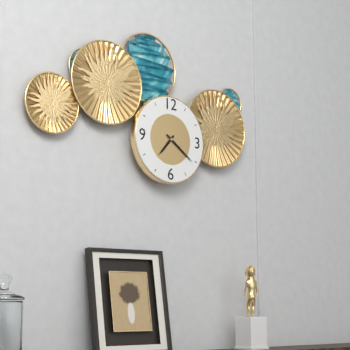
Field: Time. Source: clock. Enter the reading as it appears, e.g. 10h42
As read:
7h21
